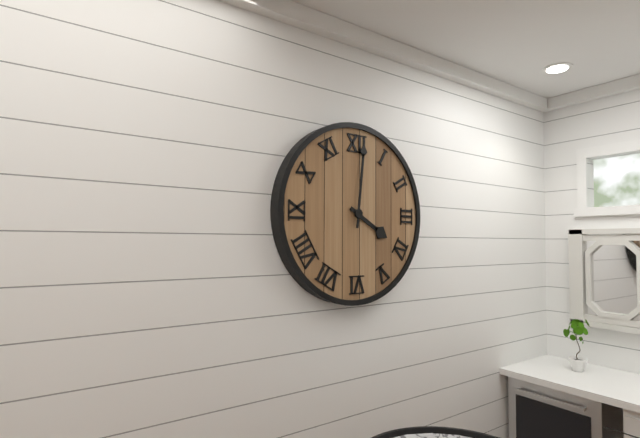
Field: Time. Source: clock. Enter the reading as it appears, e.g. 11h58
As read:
4h01
